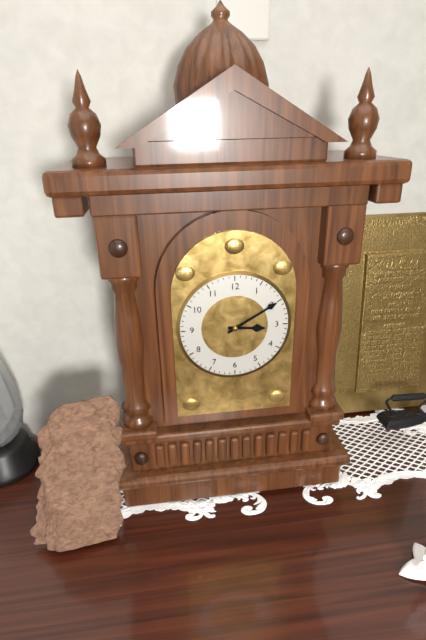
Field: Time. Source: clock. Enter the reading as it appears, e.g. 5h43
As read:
3h10
